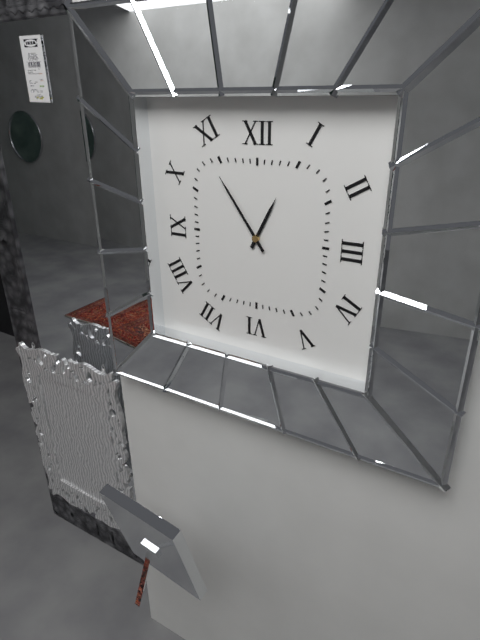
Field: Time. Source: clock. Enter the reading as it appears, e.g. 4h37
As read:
12h54
